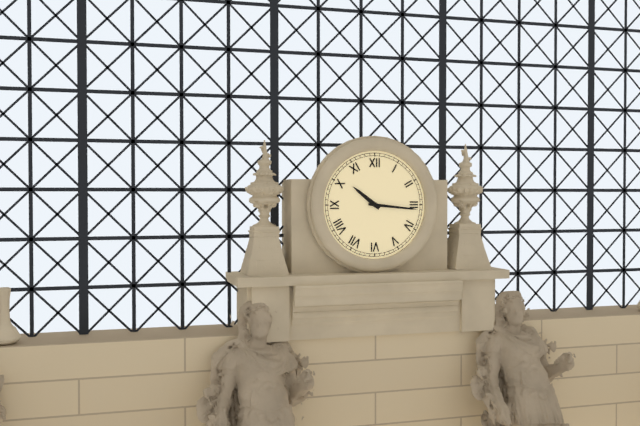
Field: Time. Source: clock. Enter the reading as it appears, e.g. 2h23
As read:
10h16
